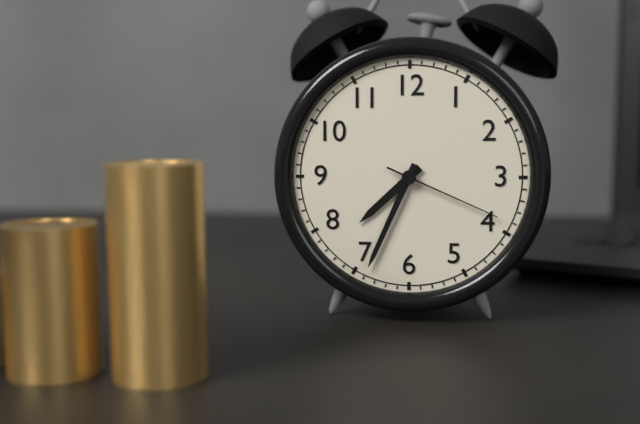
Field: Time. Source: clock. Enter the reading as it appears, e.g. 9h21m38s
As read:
7h34m19s
